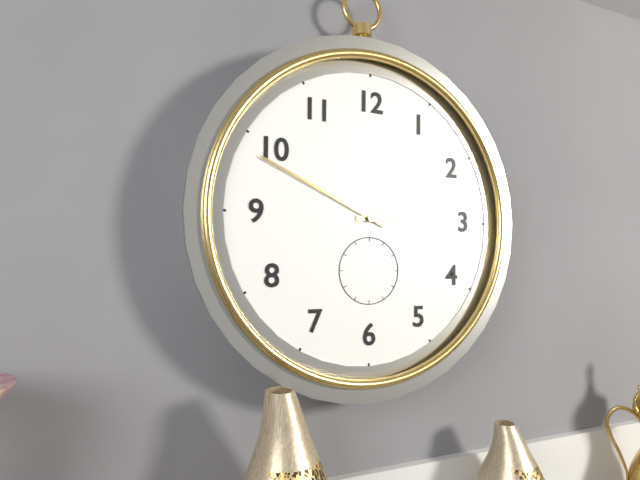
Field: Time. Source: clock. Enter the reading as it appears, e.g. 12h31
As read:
2h49
